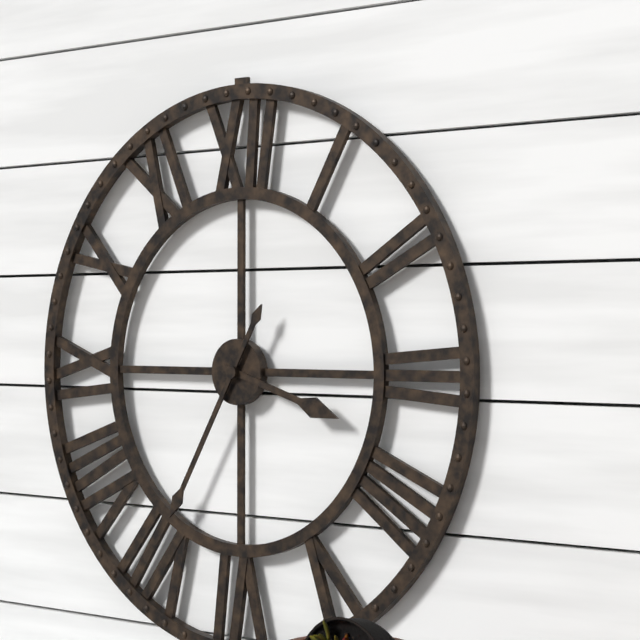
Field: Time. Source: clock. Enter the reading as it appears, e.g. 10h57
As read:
3h35
